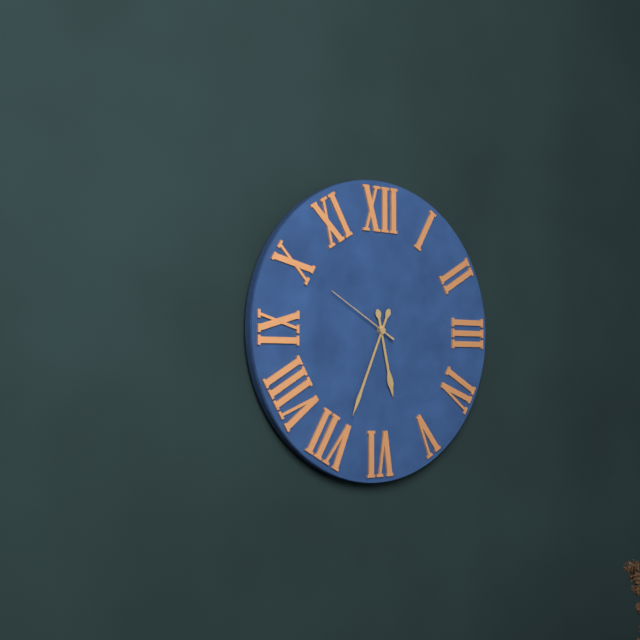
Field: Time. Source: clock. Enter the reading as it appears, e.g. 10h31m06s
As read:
5h34m50s
